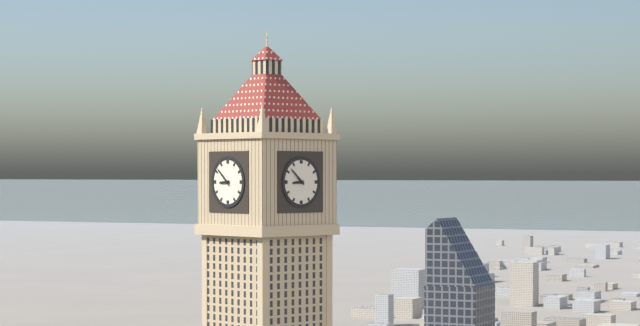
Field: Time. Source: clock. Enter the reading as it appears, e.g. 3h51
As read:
8h52
